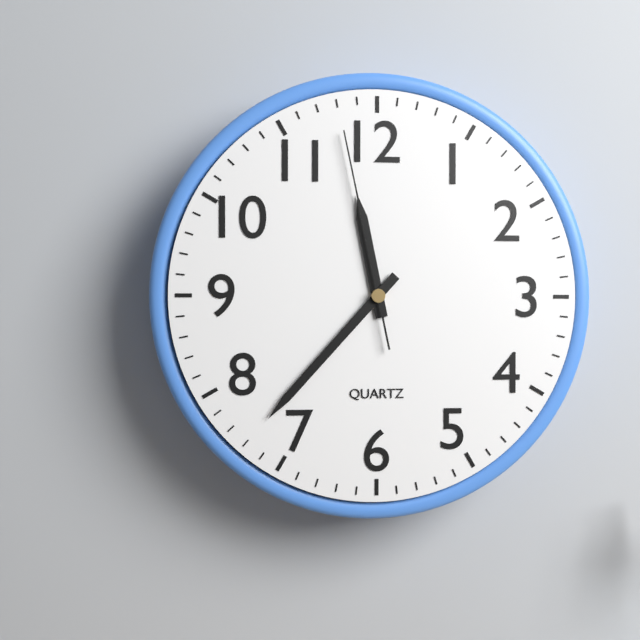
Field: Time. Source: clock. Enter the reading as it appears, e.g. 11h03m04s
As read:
11h37m58s
